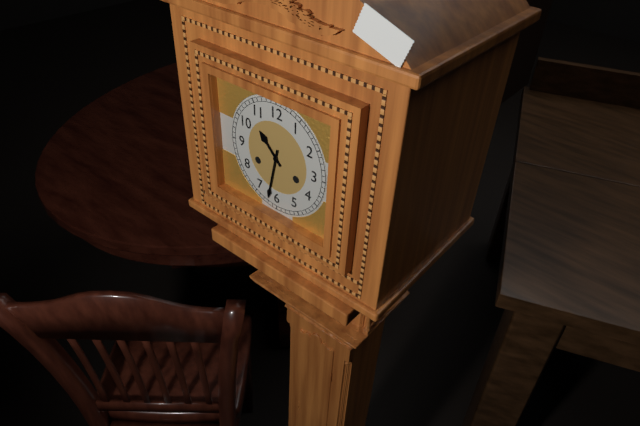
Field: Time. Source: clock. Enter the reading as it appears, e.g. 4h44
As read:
10h32
